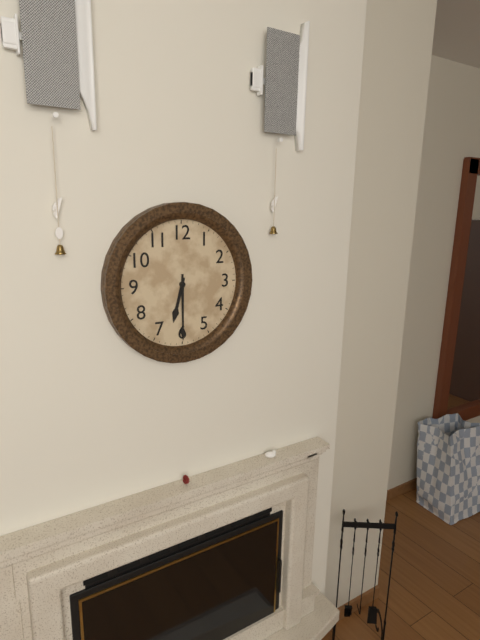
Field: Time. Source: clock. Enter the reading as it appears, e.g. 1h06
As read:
6h30
